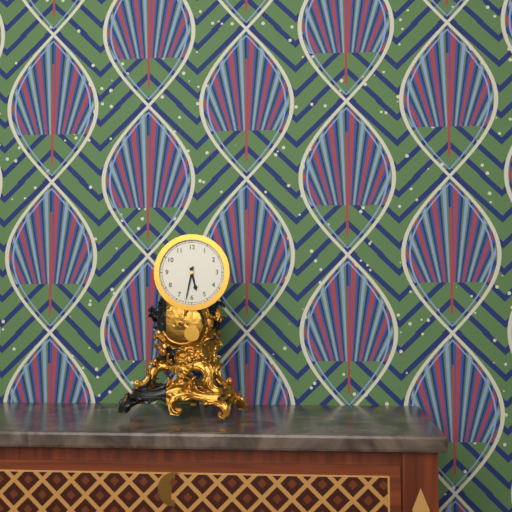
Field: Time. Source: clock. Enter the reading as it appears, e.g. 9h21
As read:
5h32
